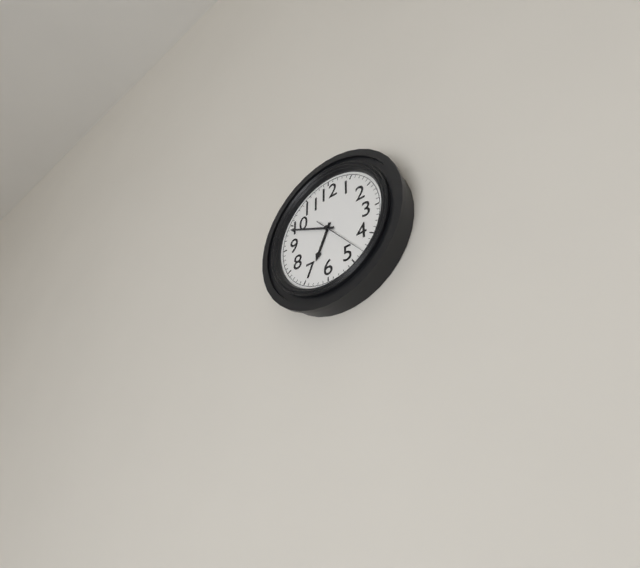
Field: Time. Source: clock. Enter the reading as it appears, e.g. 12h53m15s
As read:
6h49m23s
